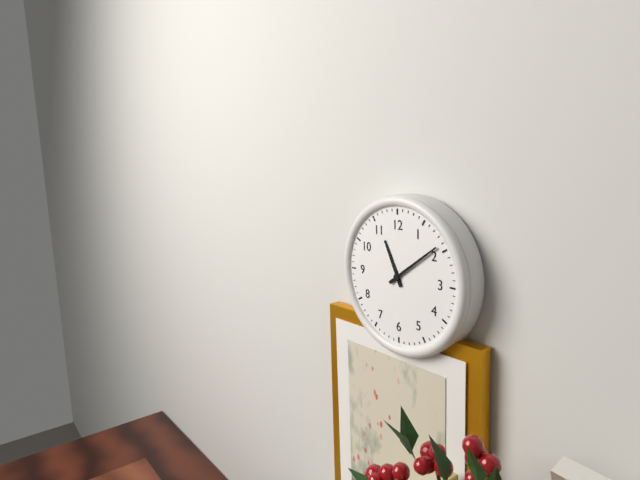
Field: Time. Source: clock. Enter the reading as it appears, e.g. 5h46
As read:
11h09
